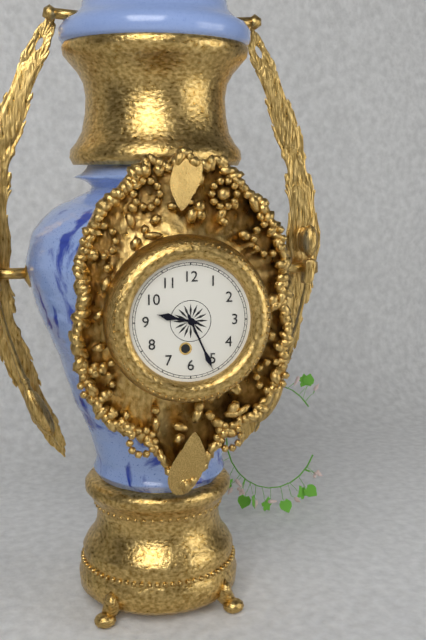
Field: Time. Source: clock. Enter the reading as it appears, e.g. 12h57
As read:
9h26
